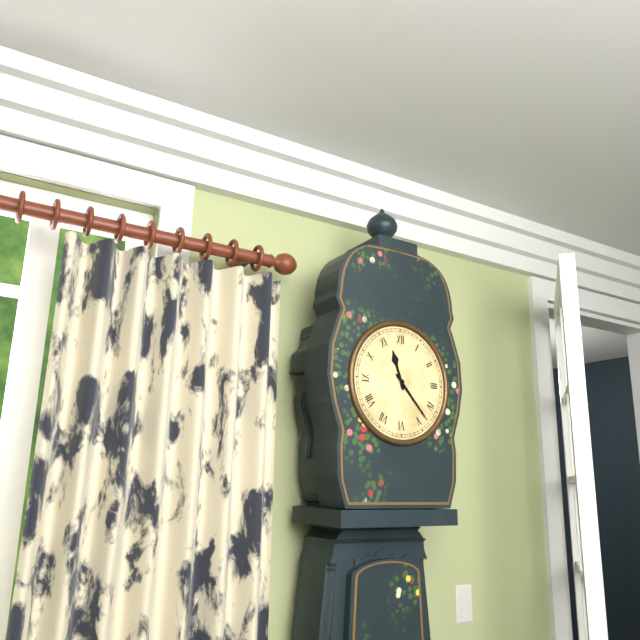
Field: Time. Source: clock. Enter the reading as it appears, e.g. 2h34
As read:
11h23
